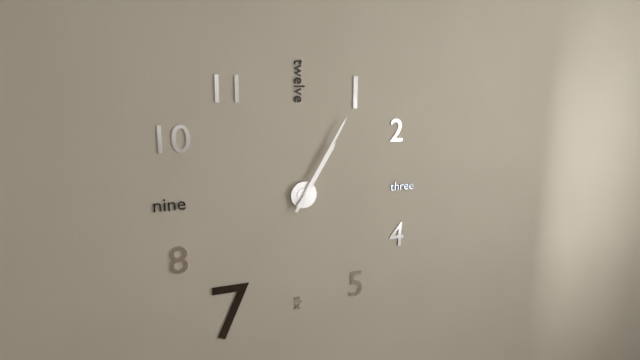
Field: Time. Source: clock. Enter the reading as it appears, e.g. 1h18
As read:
1h05
